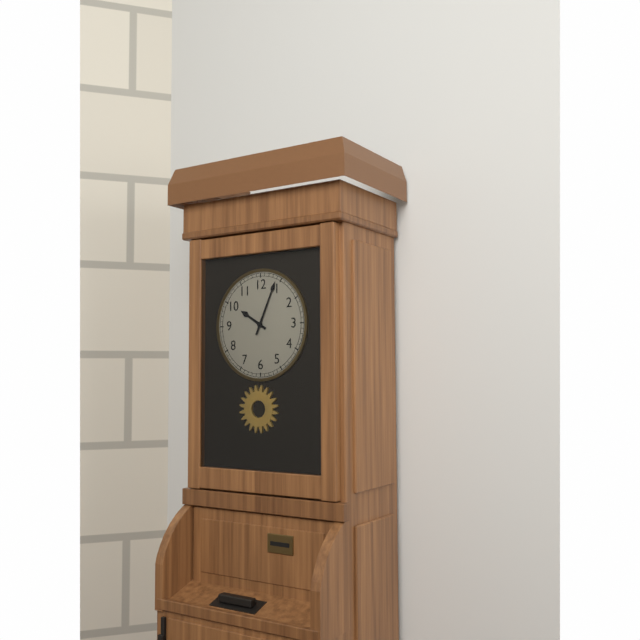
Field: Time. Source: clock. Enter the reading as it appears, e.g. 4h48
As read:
10h04
